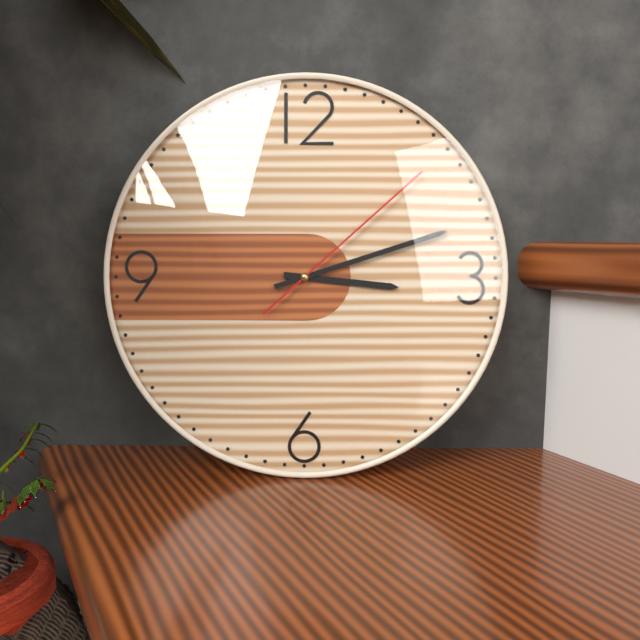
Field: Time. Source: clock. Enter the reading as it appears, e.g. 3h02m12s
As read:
3h12m08s
